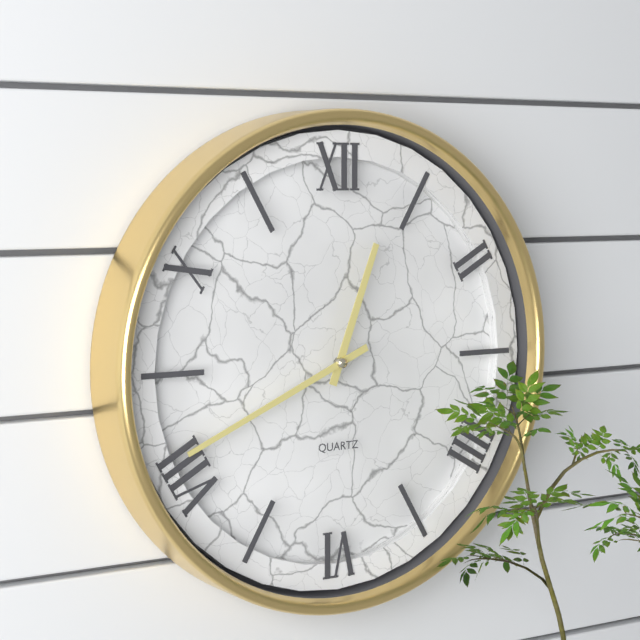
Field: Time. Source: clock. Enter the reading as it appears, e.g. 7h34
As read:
12h41
